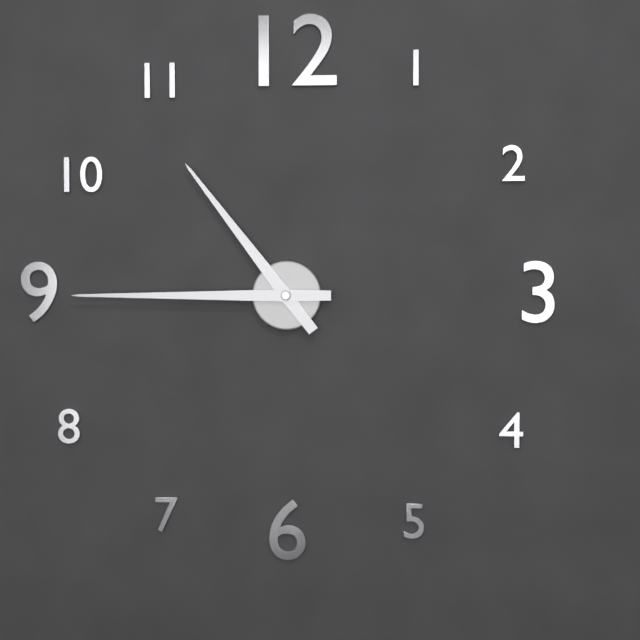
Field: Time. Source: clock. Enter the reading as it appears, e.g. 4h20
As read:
10h45
